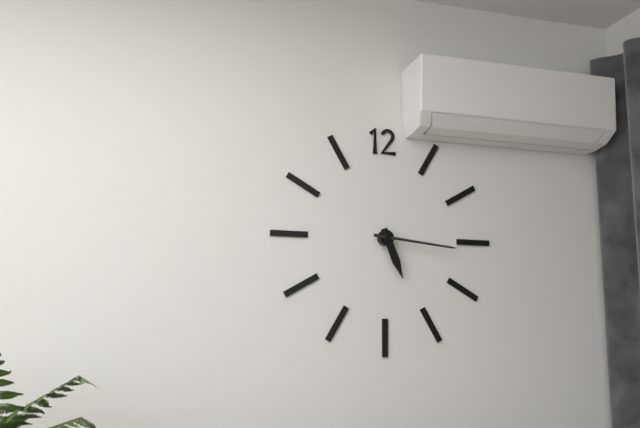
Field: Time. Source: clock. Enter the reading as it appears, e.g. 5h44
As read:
5h16
